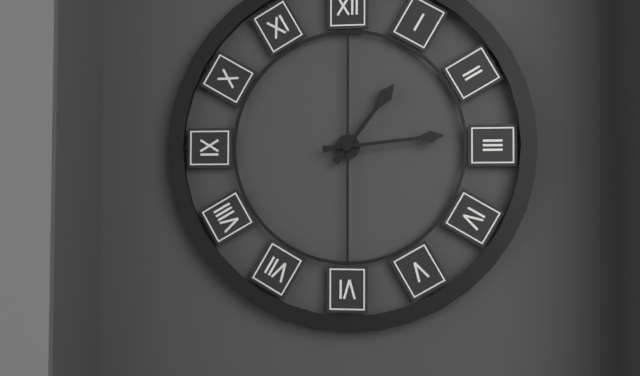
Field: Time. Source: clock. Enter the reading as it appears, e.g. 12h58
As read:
1h14
